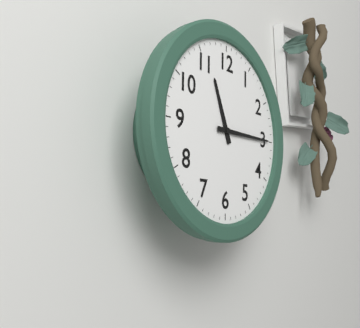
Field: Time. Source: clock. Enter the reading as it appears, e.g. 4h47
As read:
11h15
